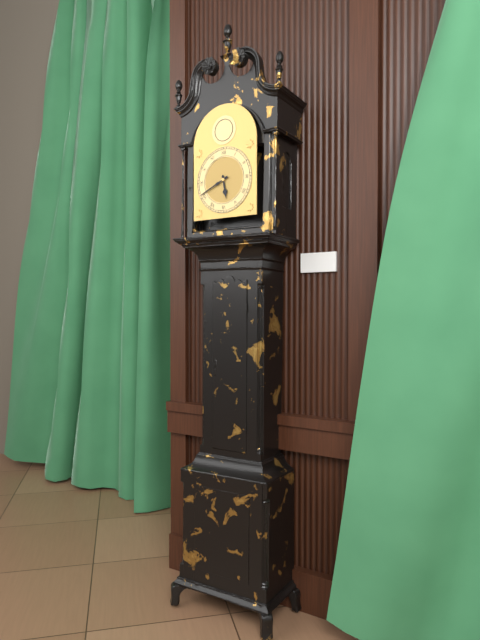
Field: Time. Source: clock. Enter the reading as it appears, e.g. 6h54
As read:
5h41
